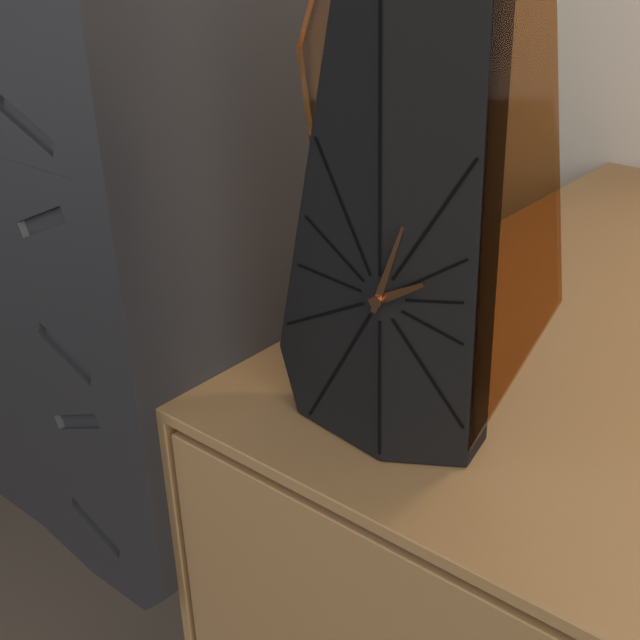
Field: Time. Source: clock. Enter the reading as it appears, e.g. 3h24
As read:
2h03
